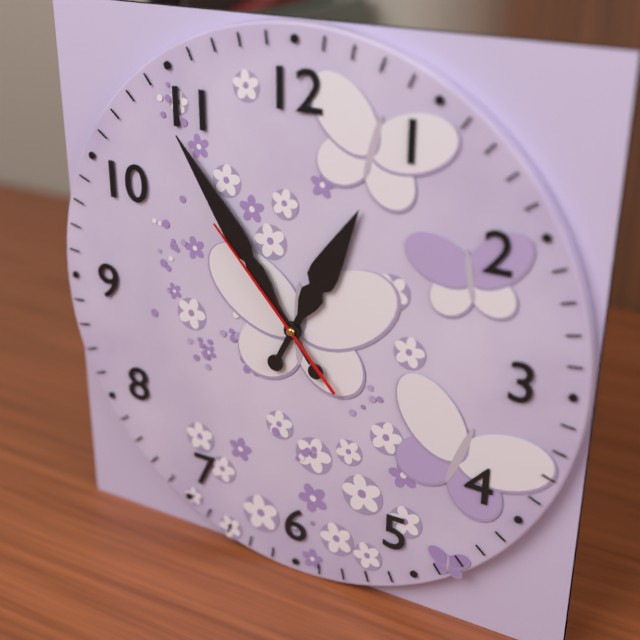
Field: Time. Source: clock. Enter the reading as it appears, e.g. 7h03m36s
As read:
12h54m53s
